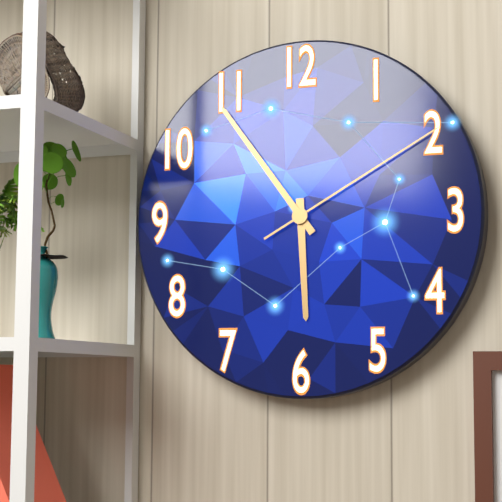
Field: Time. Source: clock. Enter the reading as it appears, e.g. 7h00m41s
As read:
5h54m10s
